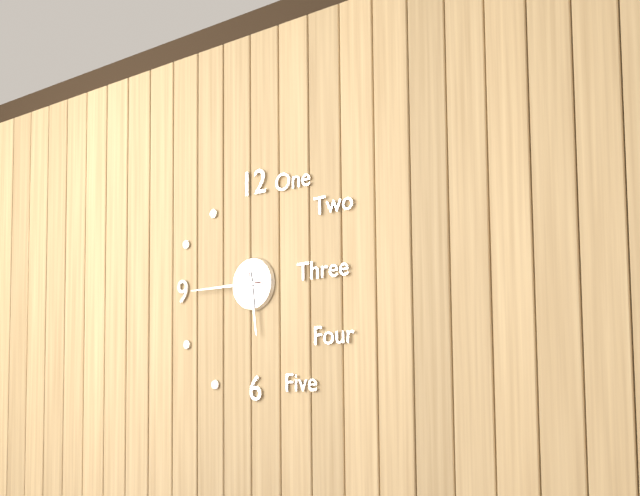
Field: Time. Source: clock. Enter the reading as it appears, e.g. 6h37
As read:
5h45
